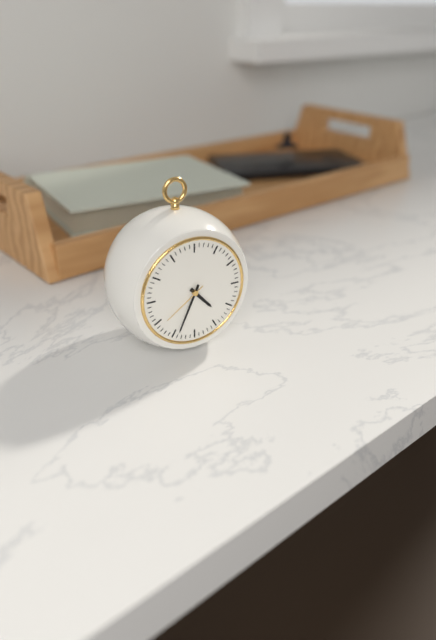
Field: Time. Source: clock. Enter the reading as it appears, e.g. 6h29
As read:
4h34
